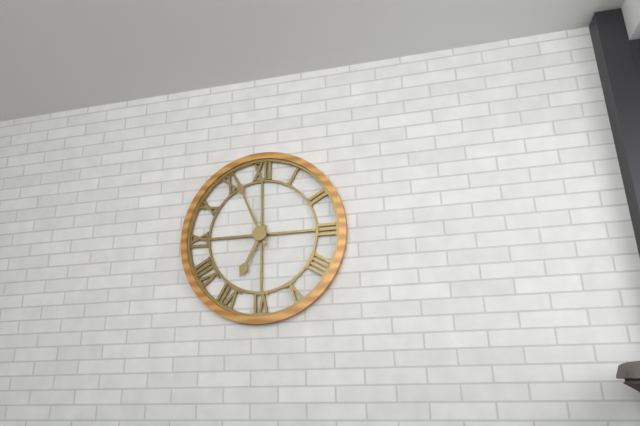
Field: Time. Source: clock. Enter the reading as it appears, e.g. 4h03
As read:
6h56
